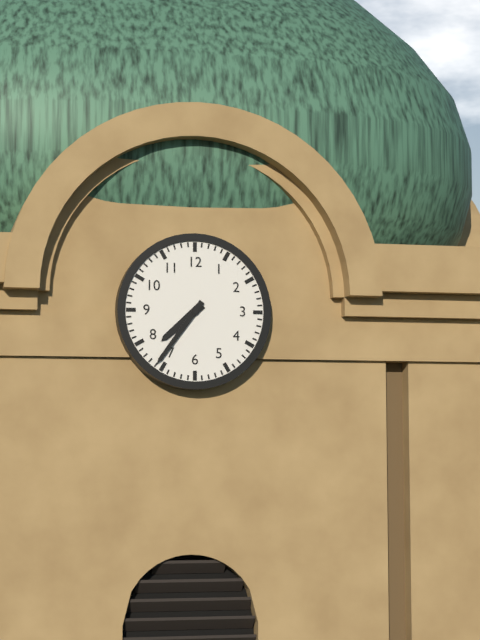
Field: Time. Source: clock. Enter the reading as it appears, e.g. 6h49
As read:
7h36
